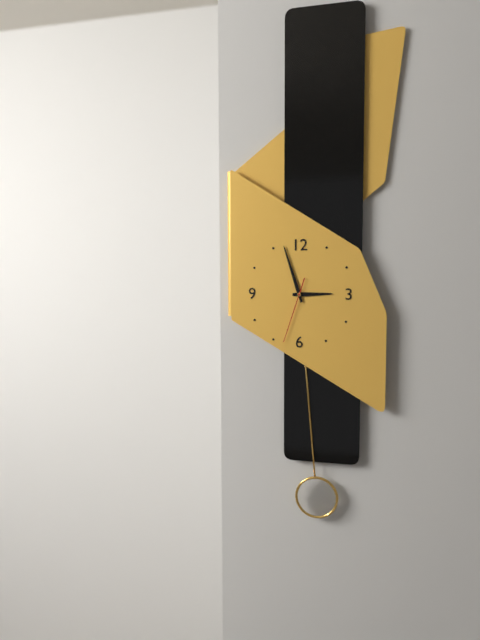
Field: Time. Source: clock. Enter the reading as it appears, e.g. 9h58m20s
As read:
2h57m33s
